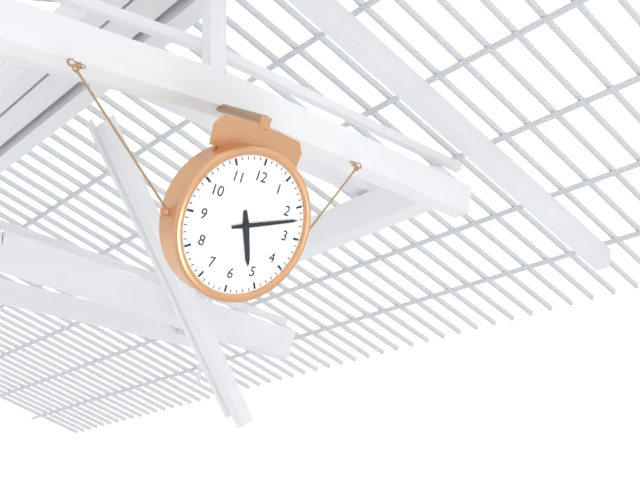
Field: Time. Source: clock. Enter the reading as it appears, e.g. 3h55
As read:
5h12
